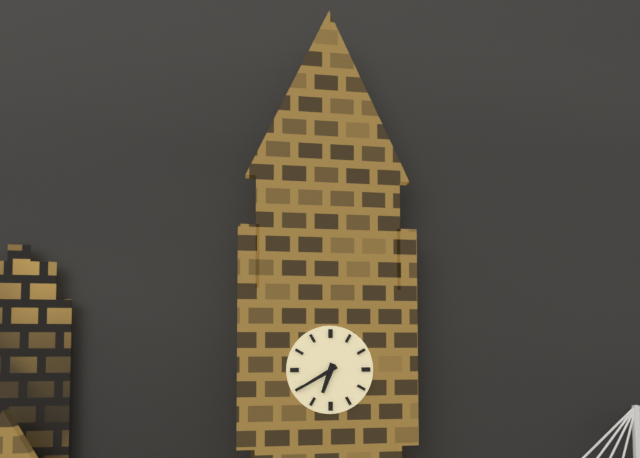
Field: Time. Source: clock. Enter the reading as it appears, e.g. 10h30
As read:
6h40
